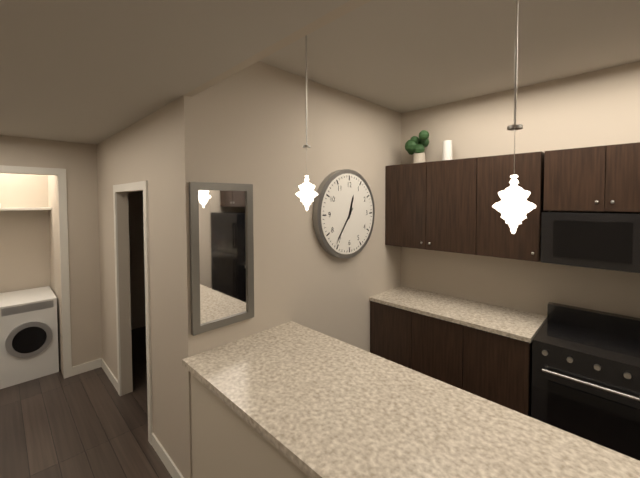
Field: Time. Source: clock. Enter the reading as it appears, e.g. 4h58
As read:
12h36
